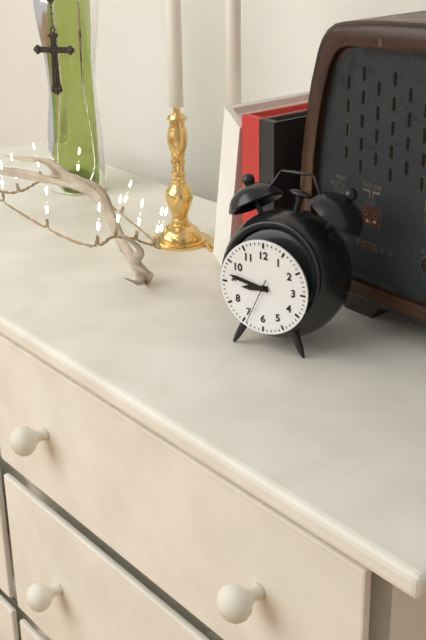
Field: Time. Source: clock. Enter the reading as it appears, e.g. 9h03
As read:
8h47
